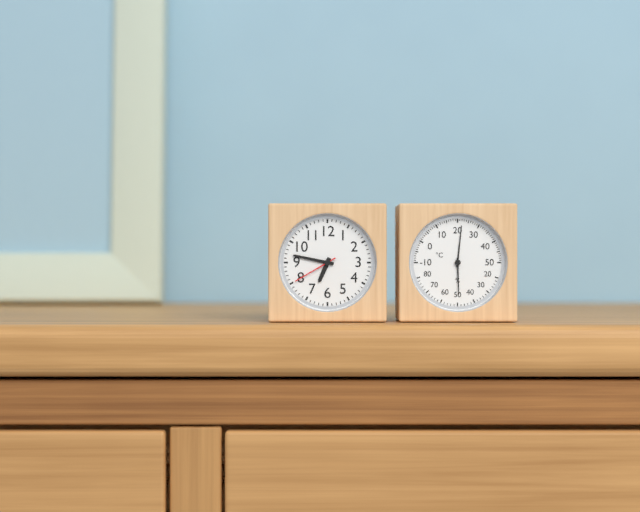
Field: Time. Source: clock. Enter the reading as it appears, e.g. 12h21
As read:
6h47
